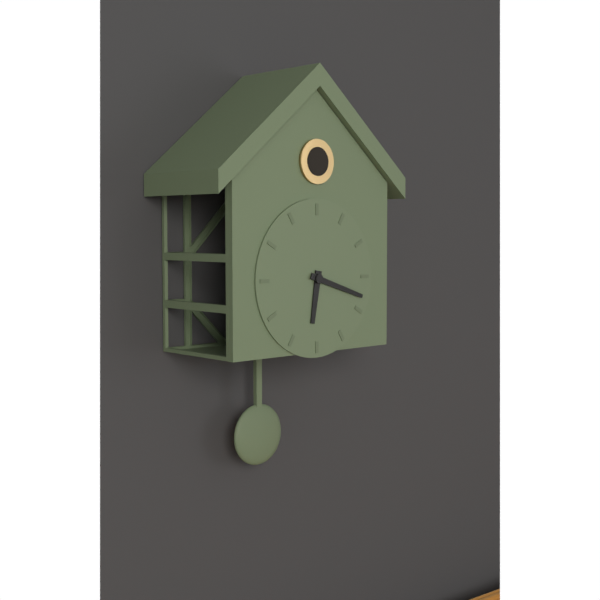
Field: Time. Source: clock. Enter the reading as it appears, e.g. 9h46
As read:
6h18
